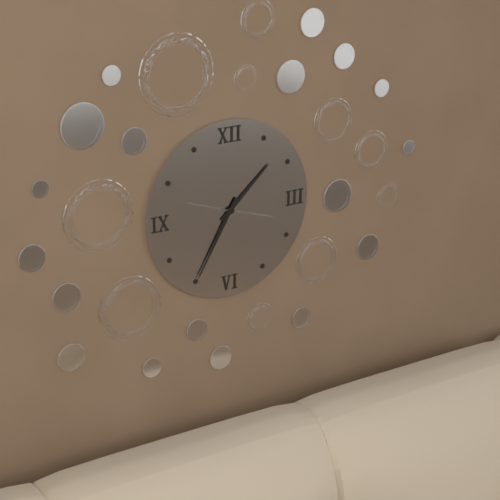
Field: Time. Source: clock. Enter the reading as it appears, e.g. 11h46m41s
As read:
1h35m18s
